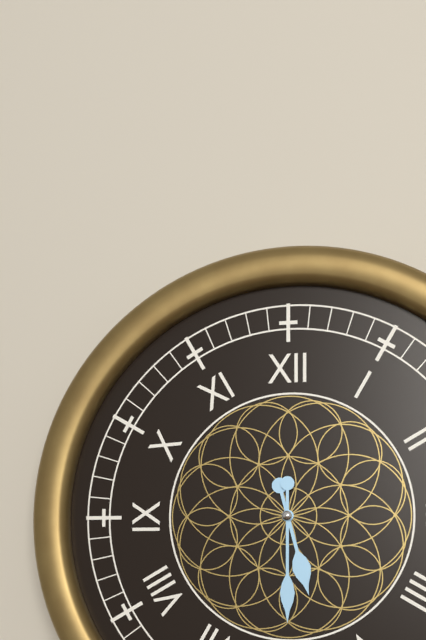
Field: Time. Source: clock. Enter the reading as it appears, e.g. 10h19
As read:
5h30
